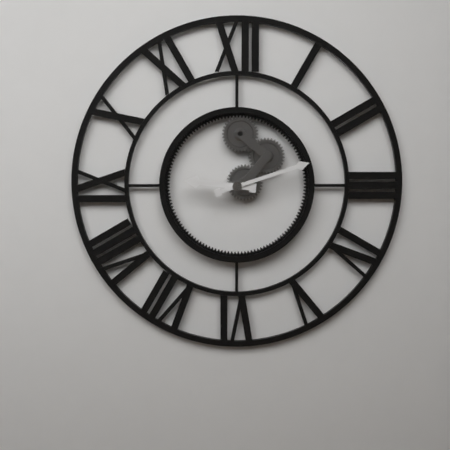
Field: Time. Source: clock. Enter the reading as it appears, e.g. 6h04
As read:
9h12
